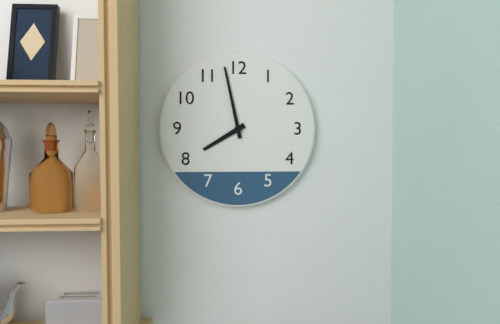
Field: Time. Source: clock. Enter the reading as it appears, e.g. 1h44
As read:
7h58
